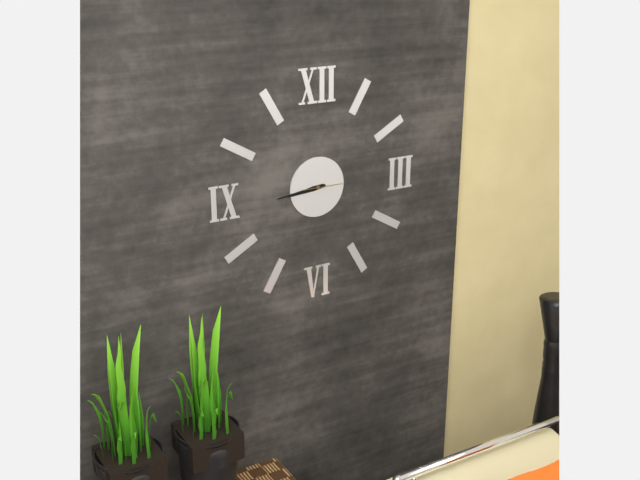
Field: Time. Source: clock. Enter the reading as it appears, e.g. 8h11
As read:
8h44
